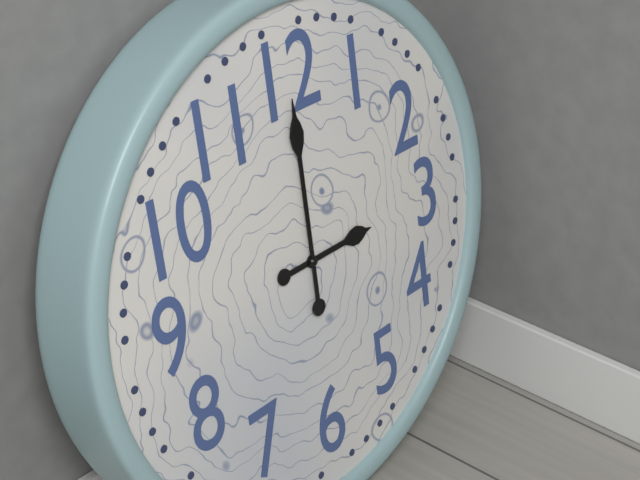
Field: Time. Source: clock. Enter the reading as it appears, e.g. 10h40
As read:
3h00
